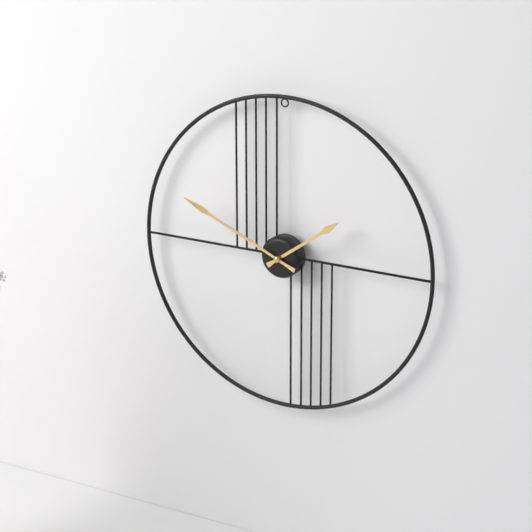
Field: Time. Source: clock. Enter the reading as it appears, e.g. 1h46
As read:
1h49
